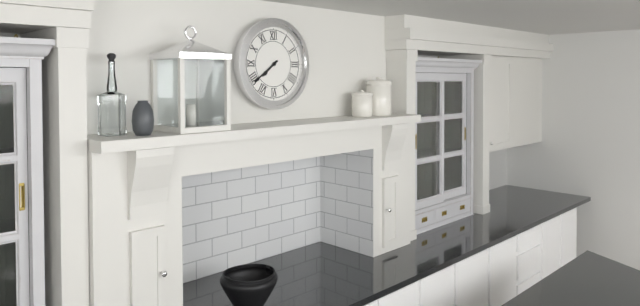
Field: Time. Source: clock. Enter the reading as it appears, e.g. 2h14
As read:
7h39
